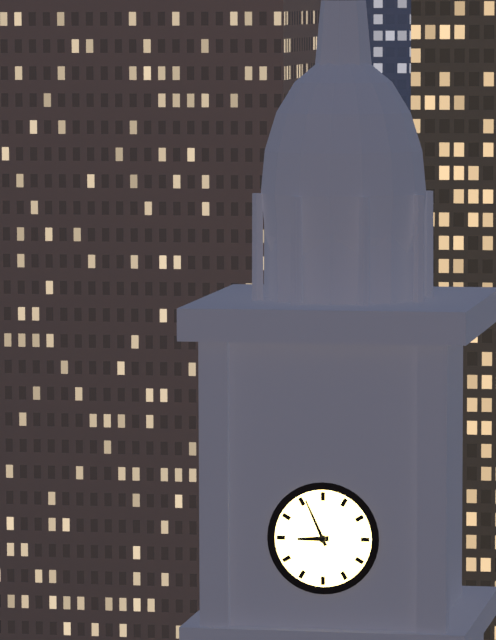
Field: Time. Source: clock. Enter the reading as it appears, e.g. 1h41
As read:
8h56
